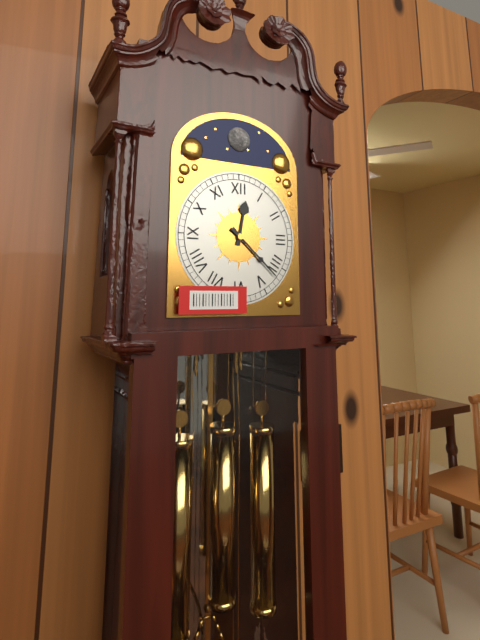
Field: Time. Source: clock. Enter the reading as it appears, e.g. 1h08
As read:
12h22
